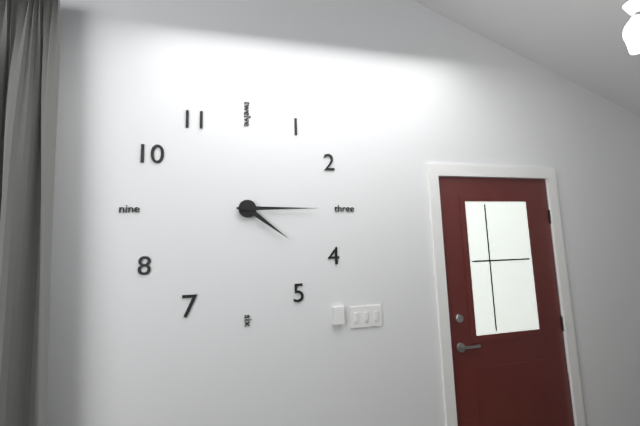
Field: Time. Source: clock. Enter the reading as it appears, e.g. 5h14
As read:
4h15
